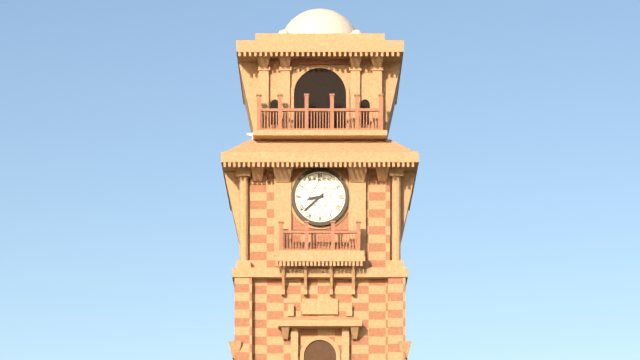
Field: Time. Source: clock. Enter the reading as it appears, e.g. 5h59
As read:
8h38
